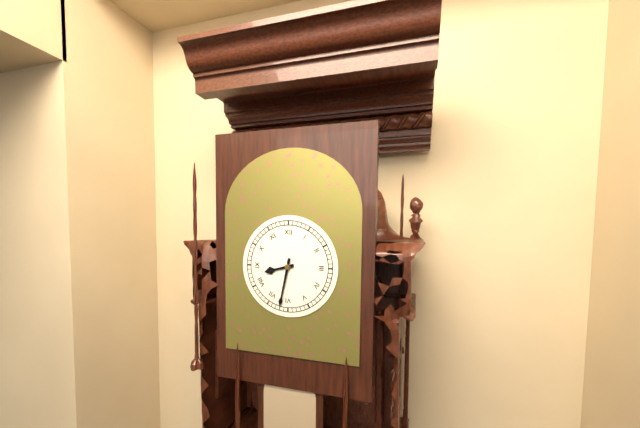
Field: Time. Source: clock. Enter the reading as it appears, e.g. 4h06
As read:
8h32
